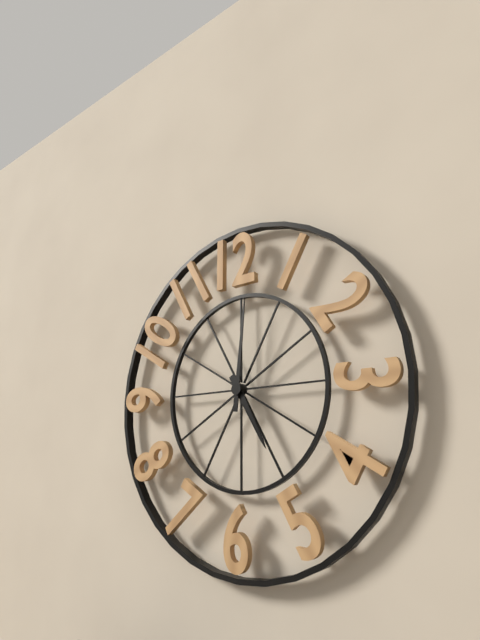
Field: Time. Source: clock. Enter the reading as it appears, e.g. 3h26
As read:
5h01
